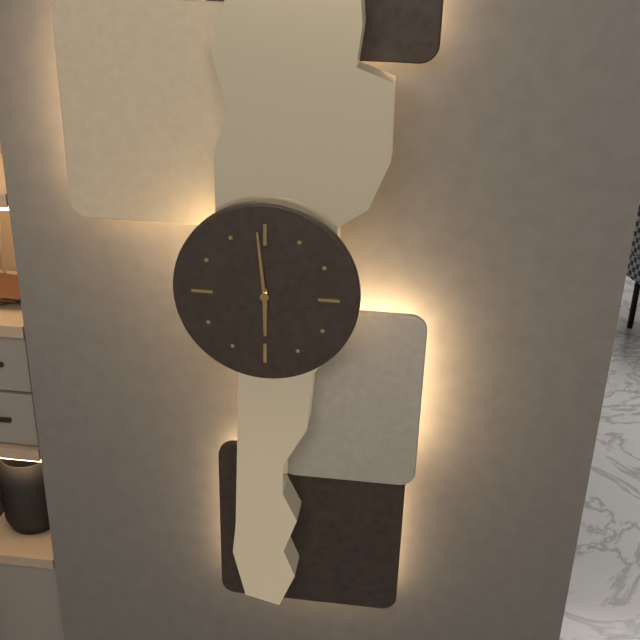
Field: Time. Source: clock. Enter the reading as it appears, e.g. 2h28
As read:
5h59
